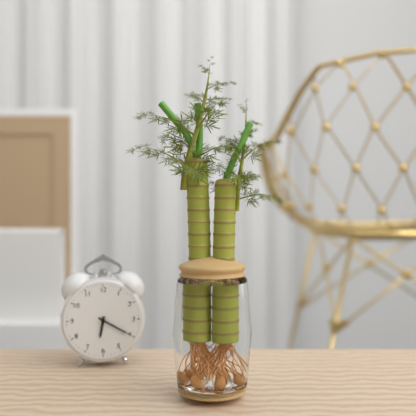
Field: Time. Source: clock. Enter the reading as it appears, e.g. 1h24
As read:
6h20
